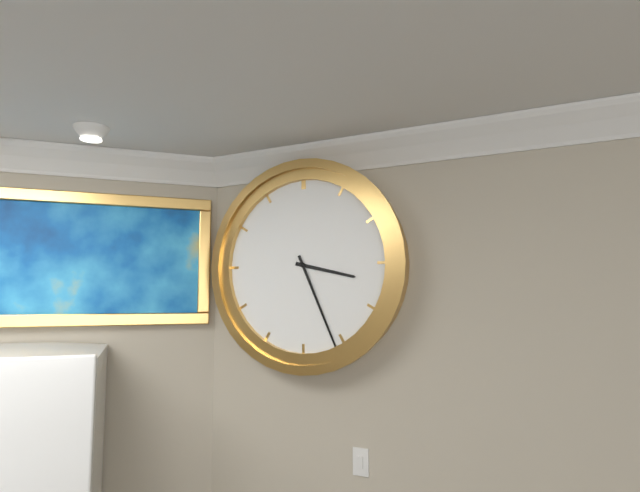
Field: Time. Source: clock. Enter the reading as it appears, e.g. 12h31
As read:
3h26
